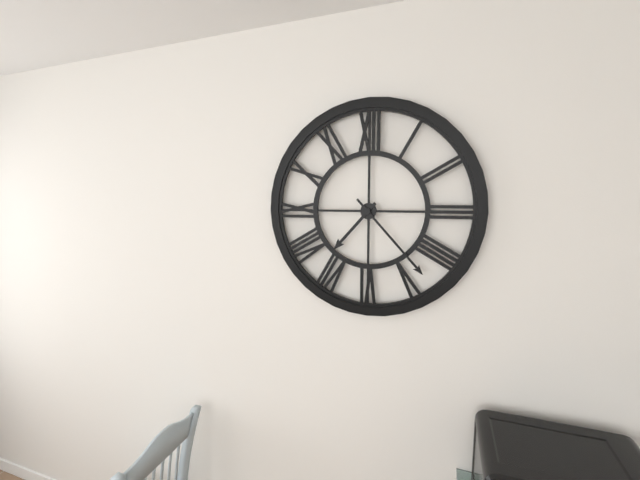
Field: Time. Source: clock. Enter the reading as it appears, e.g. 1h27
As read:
7h23
